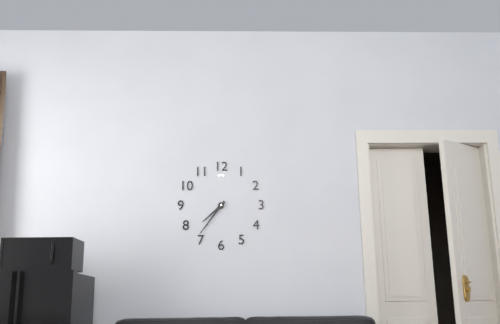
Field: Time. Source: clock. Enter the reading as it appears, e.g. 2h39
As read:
7h36
